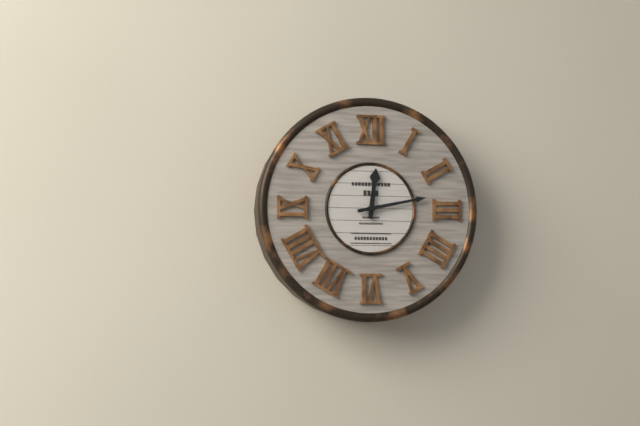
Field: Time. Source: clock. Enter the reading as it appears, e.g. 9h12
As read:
12h13
